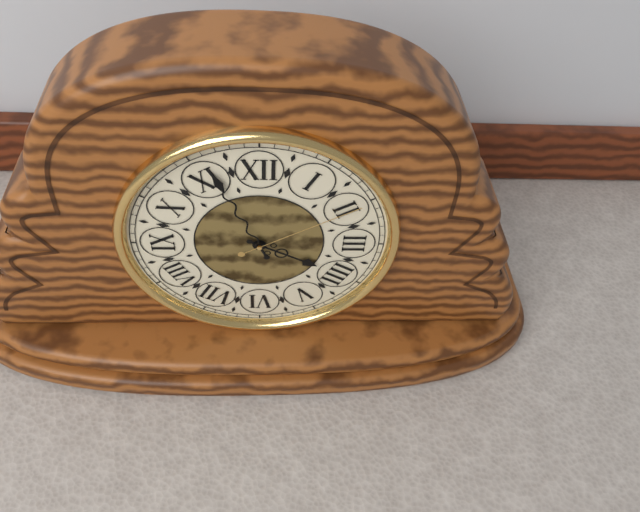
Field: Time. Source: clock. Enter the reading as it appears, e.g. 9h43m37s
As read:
3h56m10s
